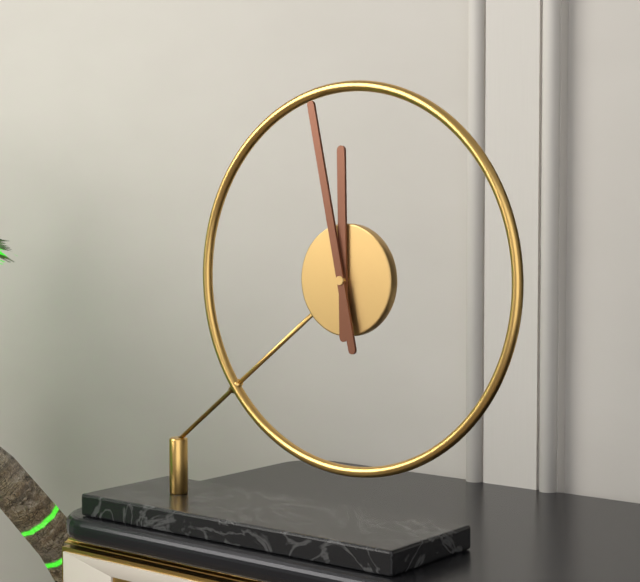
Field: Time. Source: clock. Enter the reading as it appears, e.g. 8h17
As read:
11h58
